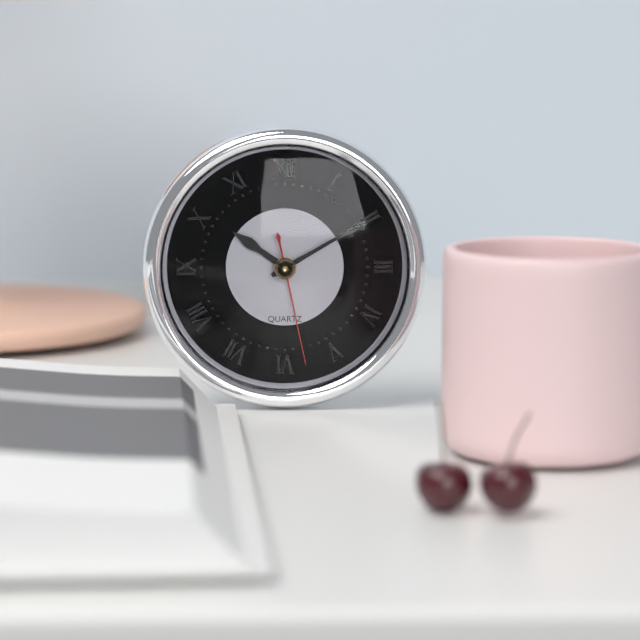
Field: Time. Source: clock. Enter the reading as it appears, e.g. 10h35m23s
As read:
10h10m28s
